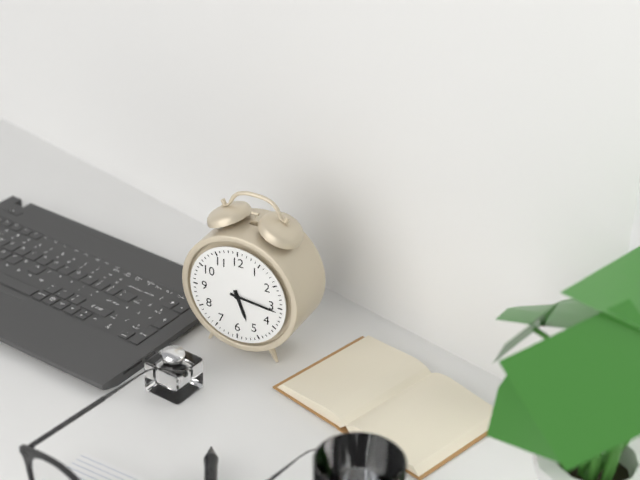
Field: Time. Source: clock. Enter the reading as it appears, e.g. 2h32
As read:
5h16
